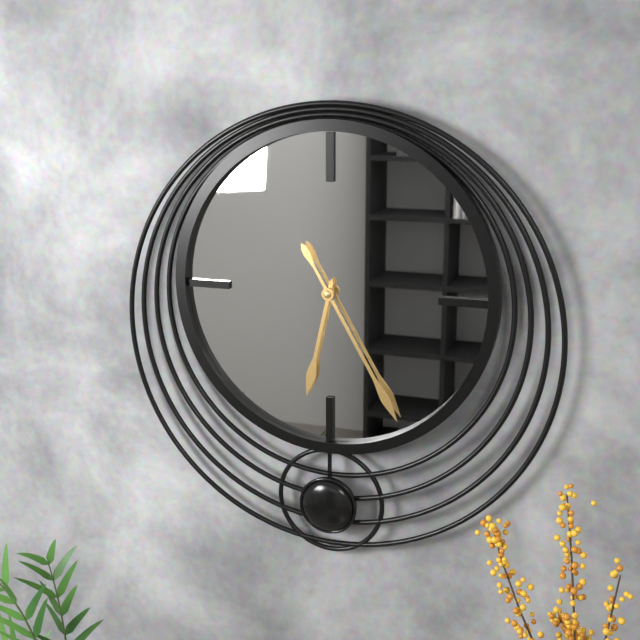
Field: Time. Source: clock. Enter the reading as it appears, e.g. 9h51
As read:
6h25
